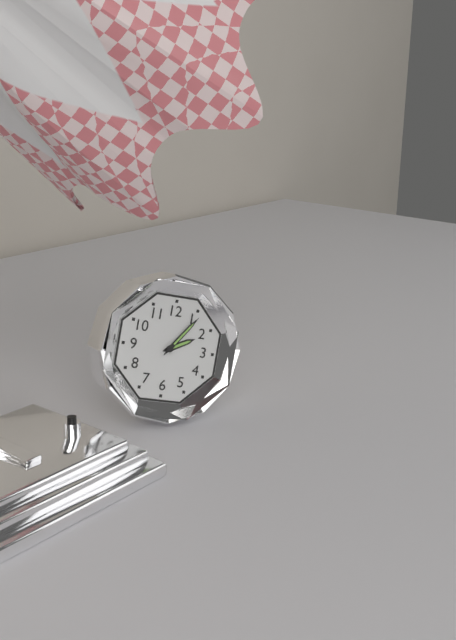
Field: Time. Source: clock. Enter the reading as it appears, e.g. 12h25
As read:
2h06
